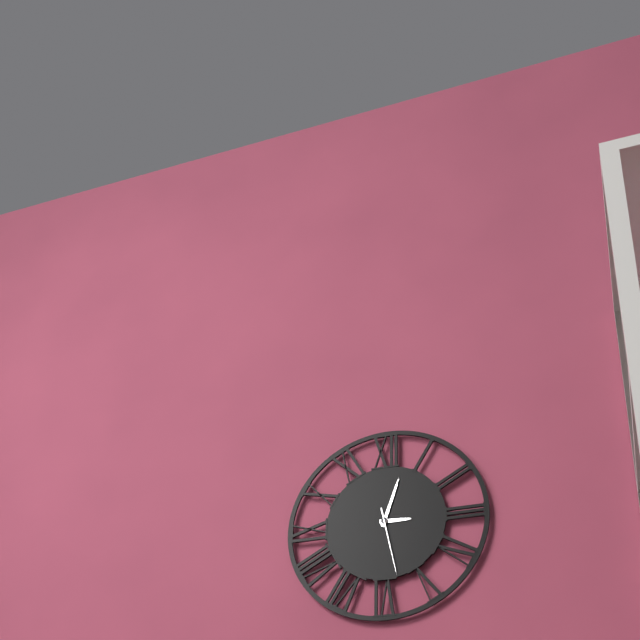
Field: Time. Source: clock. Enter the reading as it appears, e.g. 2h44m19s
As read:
3h03m28s
